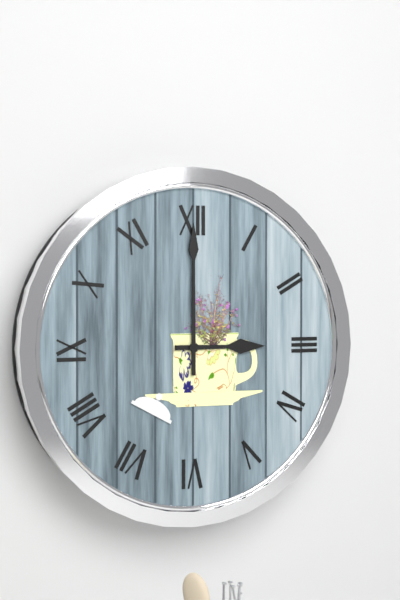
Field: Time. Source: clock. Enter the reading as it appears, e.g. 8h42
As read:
3h00
